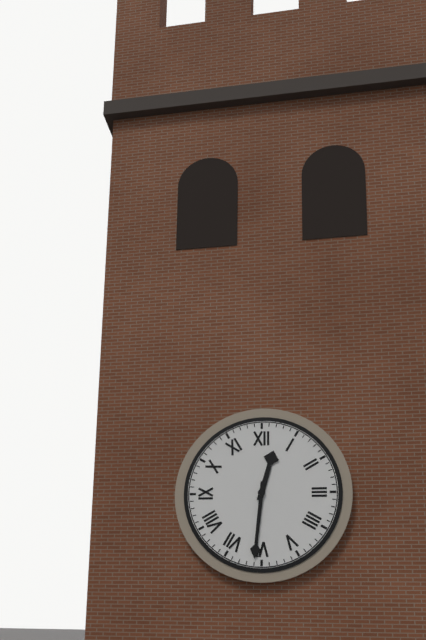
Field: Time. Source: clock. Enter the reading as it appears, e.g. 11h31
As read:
12h31
